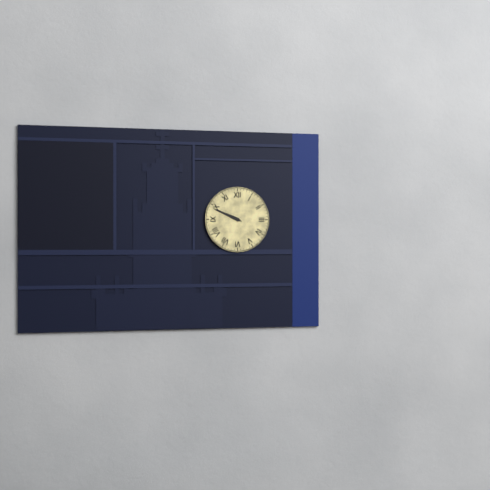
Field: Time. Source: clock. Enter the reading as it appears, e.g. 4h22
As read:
9h49
